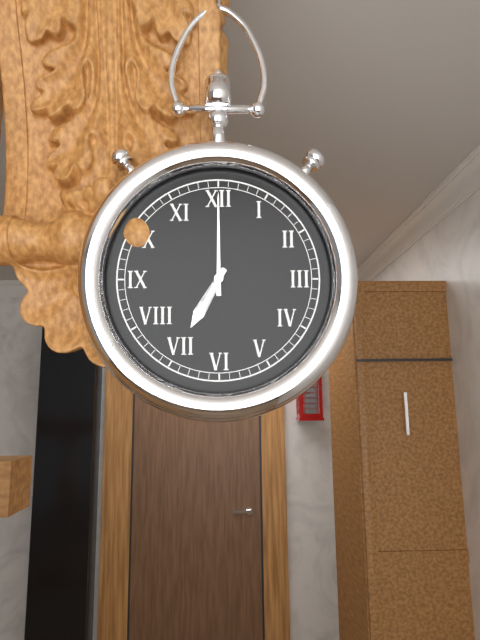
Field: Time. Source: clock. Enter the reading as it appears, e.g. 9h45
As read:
7h00
